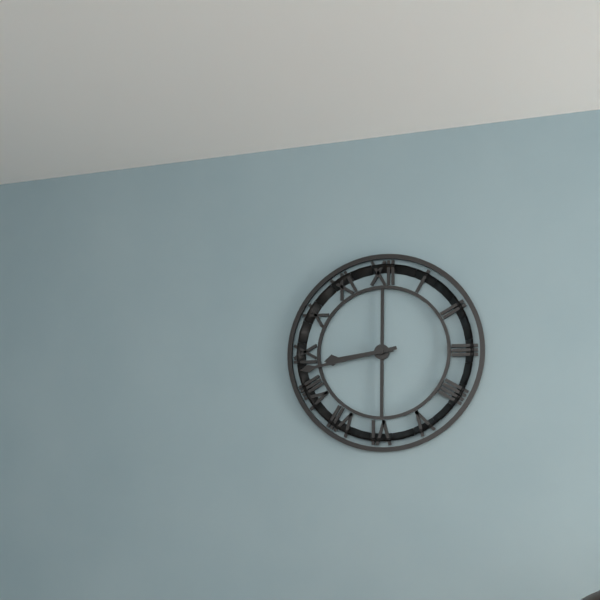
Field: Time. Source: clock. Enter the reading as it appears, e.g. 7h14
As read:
8h43
